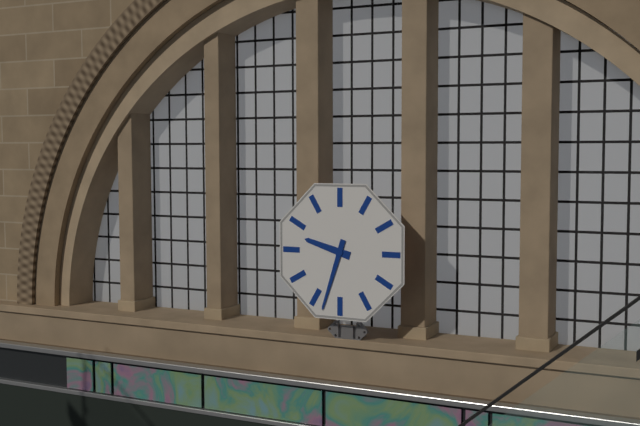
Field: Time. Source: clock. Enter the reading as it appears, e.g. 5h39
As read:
9h33
